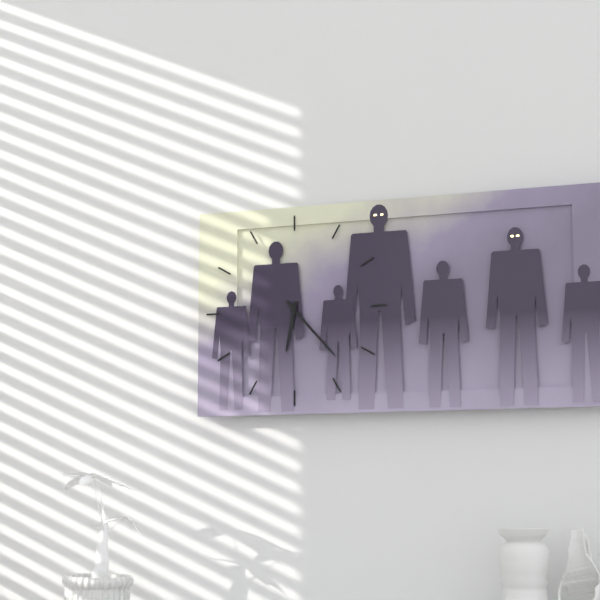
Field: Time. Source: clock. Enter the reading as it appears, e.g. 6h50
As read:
6h23
